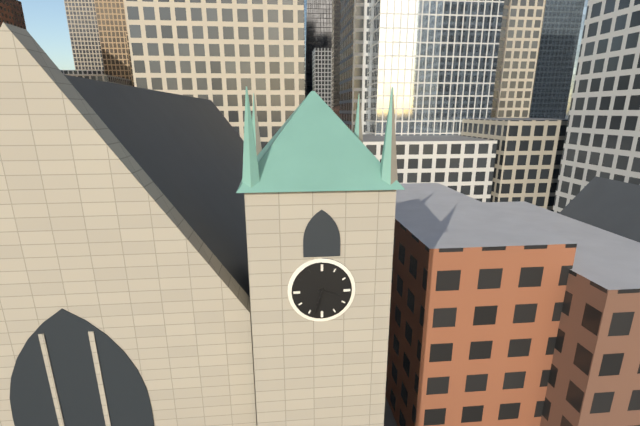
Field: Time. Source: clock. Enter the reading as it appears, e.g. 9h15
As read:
3h33
